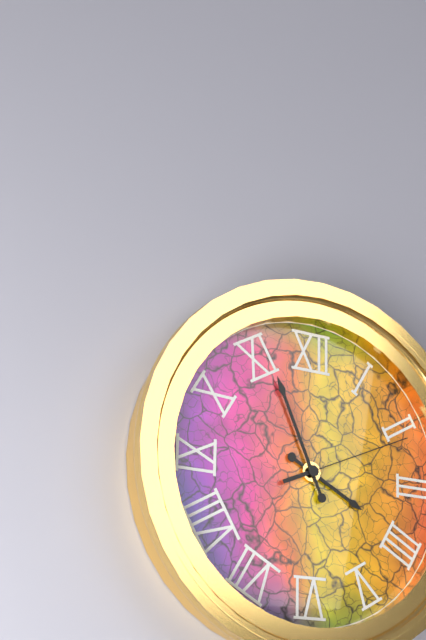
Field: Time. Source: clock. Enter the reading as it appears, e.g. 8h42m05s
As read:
3h56m11s
